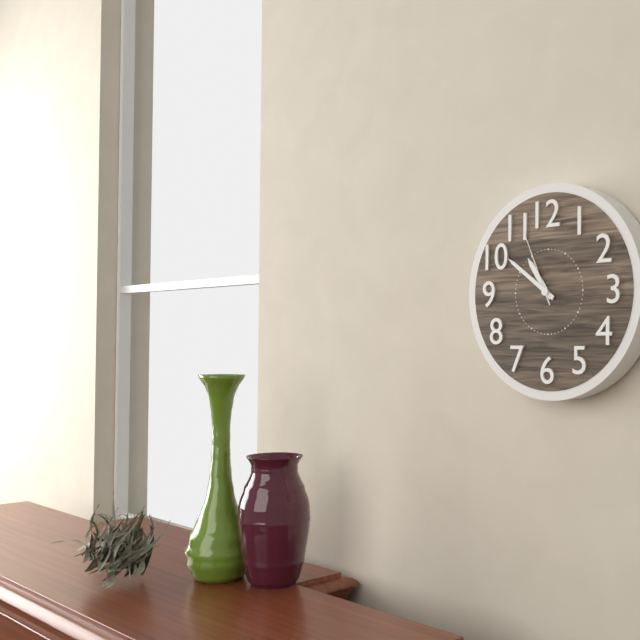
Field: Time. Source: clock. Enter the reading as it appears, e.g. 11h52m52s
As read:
10h51m56s
